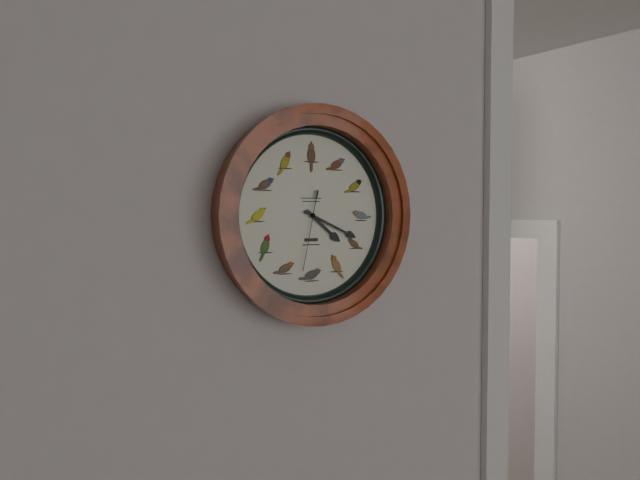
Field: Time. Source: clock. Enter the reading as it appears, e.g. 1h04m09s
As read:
4h19m32s
